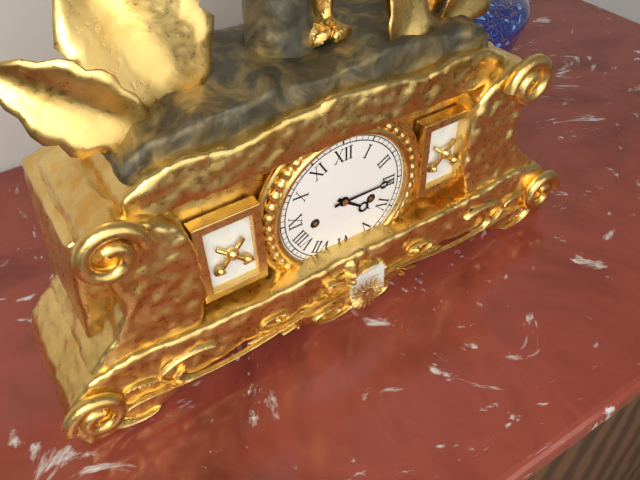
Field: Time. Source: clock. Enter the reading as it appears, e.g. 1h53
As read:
4h15
